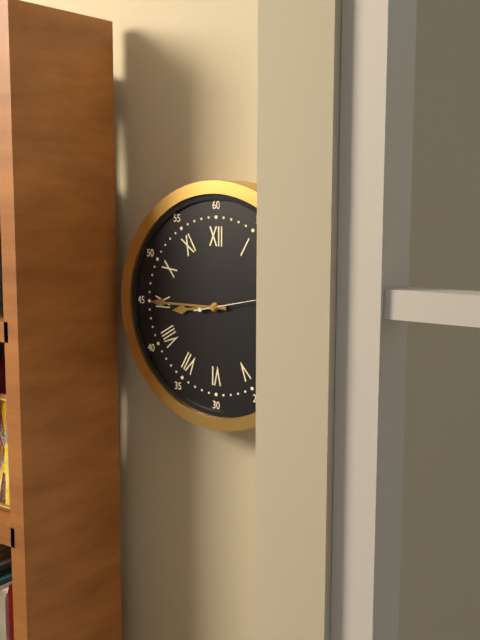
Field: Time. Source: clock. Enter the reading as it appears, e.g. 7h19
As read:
8h45
